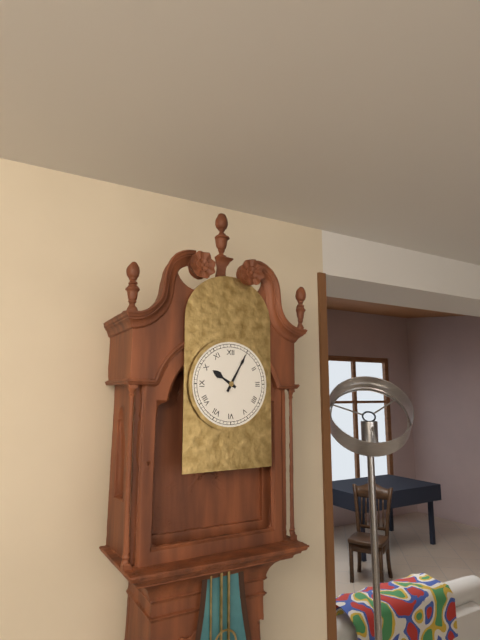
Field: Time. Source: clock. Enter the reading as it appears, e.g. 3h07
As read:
10h05
